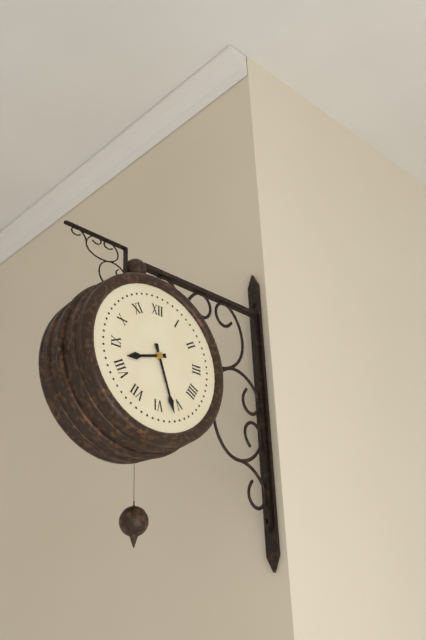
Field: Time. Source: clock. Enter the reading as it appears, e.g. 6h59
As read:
8h27
